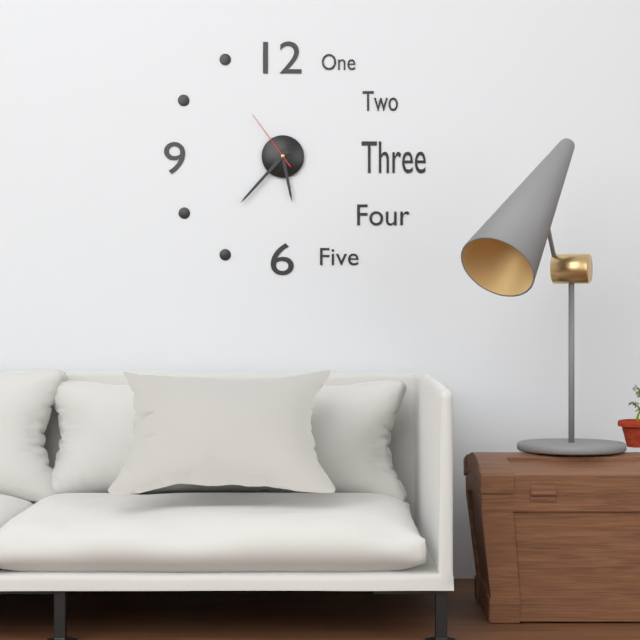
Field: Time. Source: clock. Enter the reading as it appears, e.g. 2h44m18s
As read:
5h37m54s
